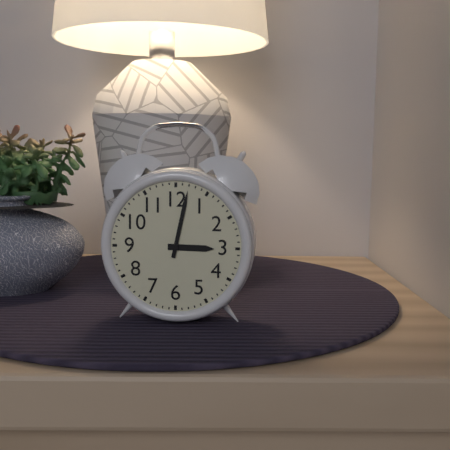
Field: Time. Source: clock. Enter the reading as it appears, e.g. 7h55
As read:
3h02
